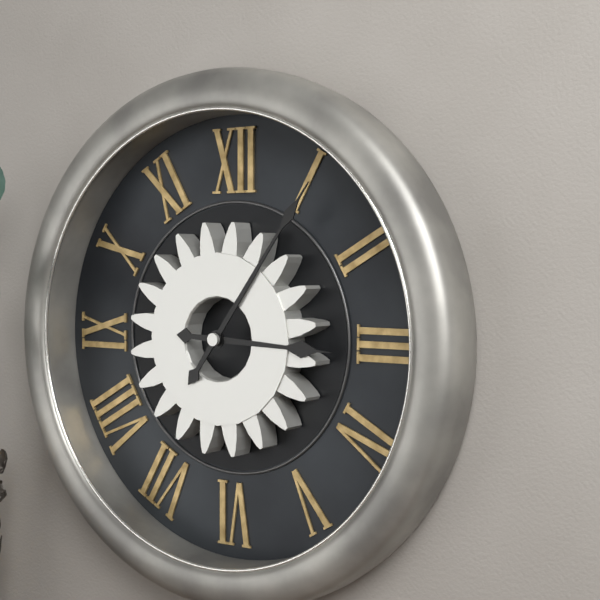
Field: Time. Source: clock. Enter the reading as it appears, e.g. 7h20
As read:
3h06
